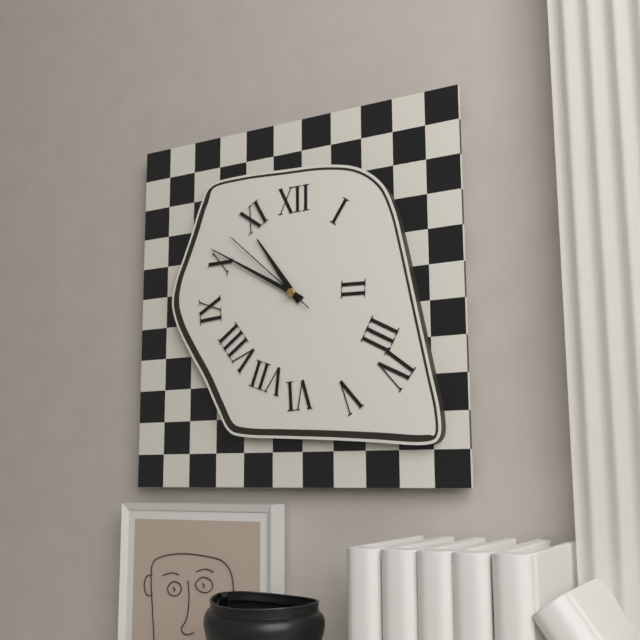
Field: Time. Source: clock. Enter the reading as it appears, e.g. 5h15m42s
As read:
10h50m52s
